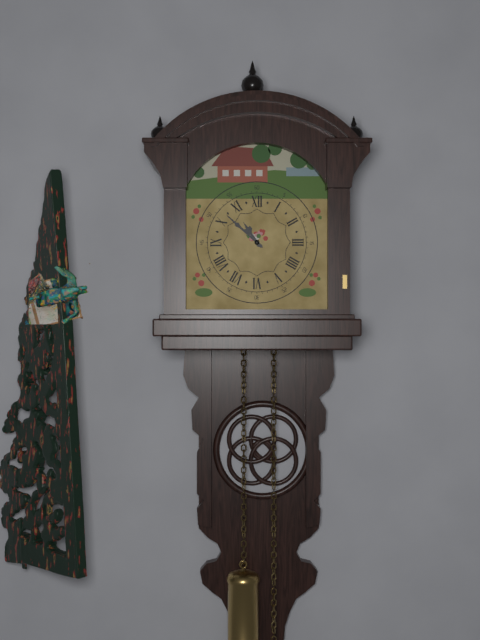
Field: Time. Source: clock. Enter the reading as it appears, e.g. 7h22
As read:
10h52
